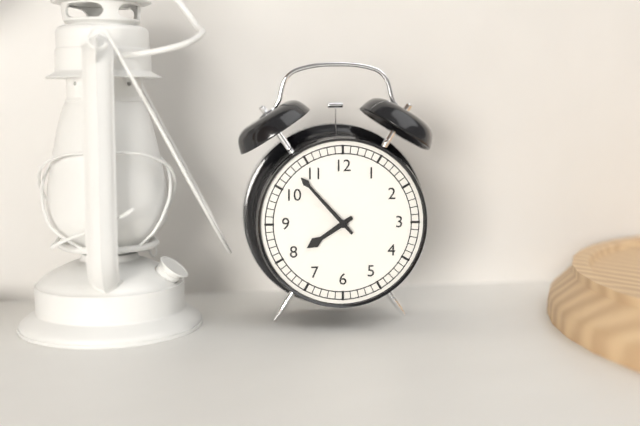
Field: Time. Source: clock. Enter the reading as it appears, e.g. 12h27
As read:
7h53
